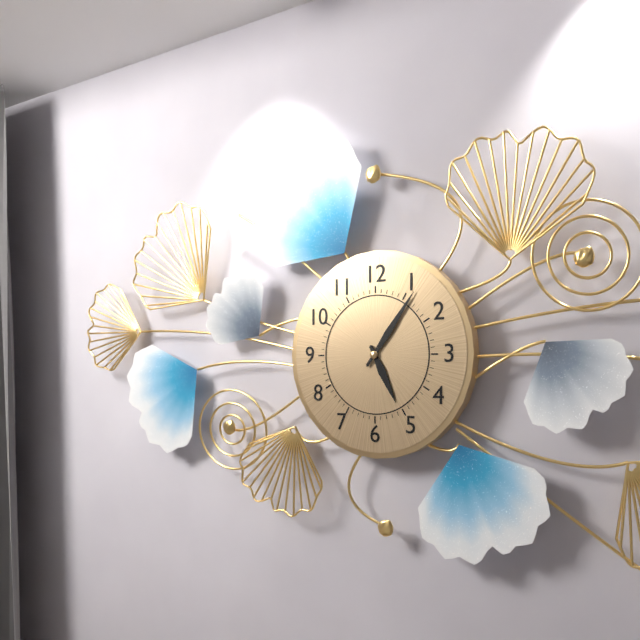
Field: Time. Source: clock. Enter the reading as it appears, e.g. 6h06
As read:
5h06
